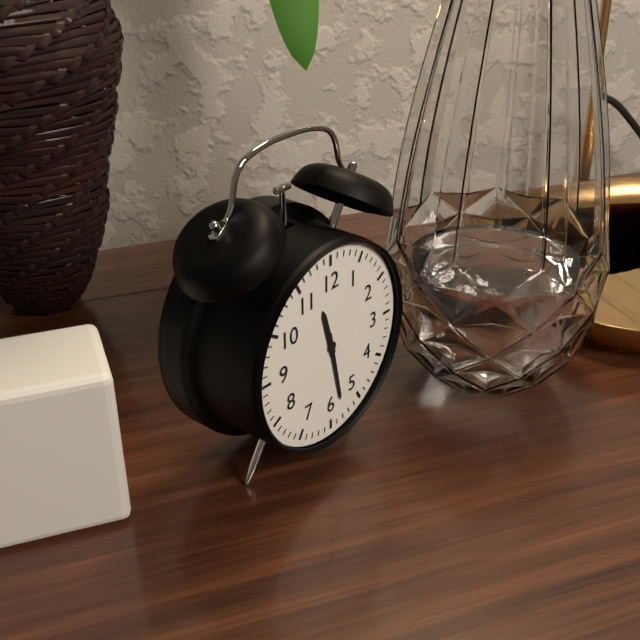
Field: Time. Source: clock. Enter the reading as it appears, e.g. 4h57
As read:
11h28
